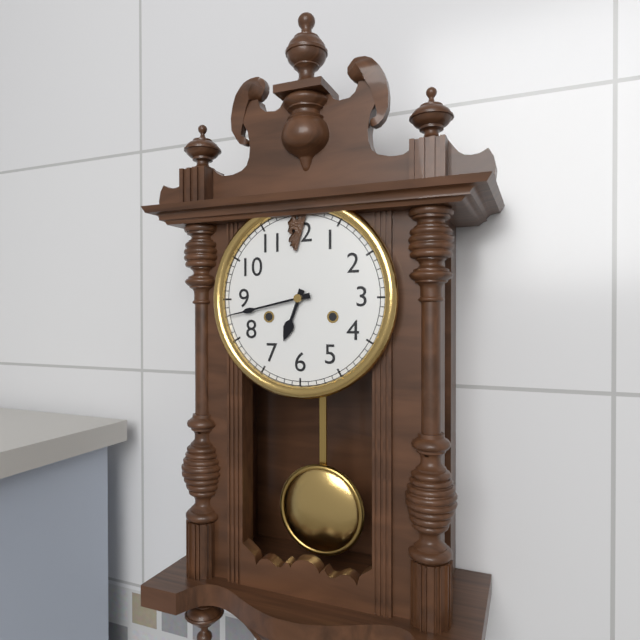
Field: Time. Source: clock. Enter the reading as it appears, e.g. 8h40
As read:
6h43
